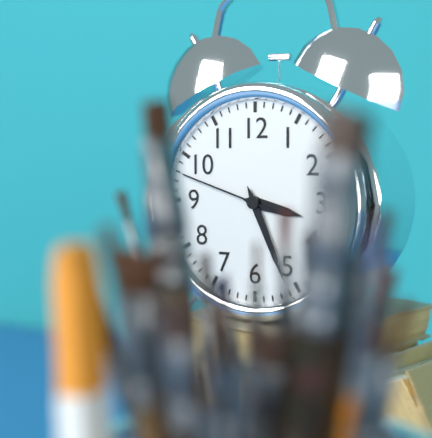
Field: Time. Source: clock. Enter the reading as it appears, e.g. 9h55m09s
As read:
3h26m48s
